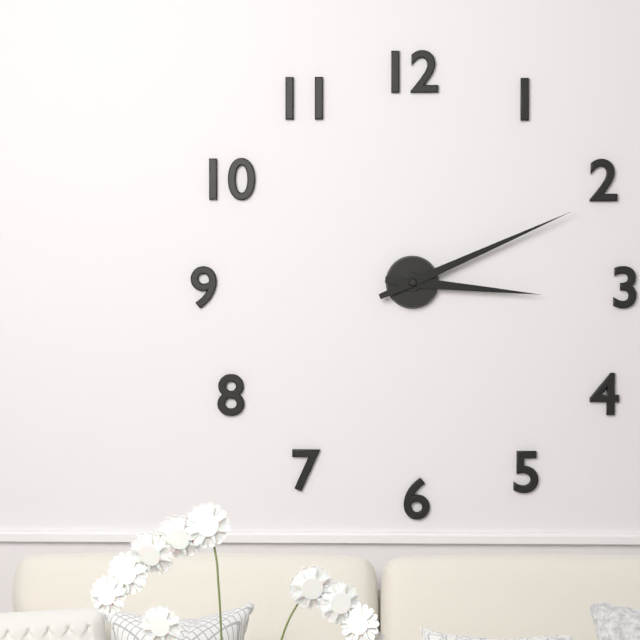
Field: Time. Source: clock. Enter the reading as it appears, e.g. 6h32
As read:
3h11
